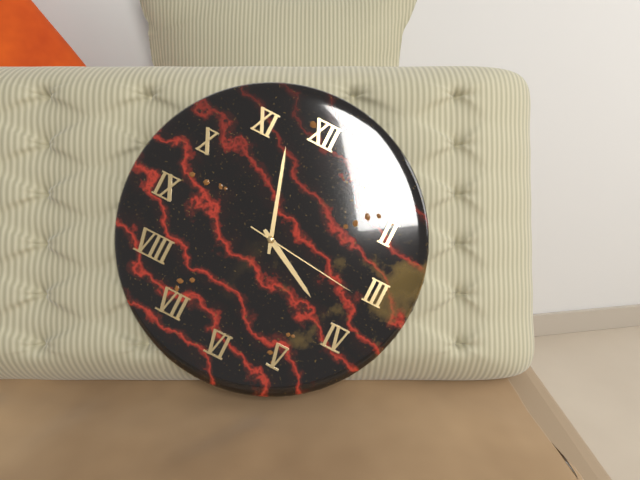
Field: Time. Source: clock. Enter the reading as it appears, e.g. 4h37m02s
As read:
3h57m16s
